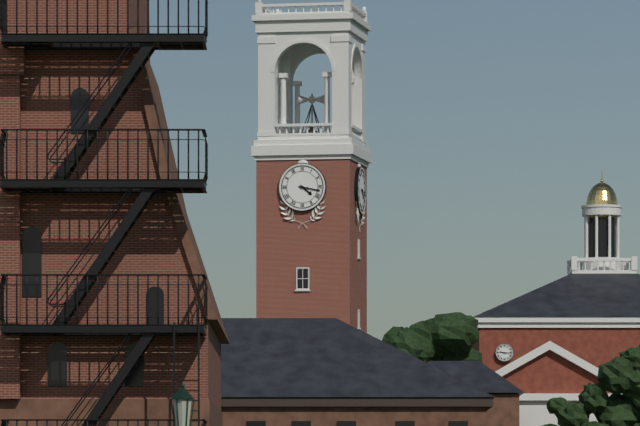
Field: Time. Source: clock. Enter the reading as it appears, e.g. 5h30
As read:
4h17
